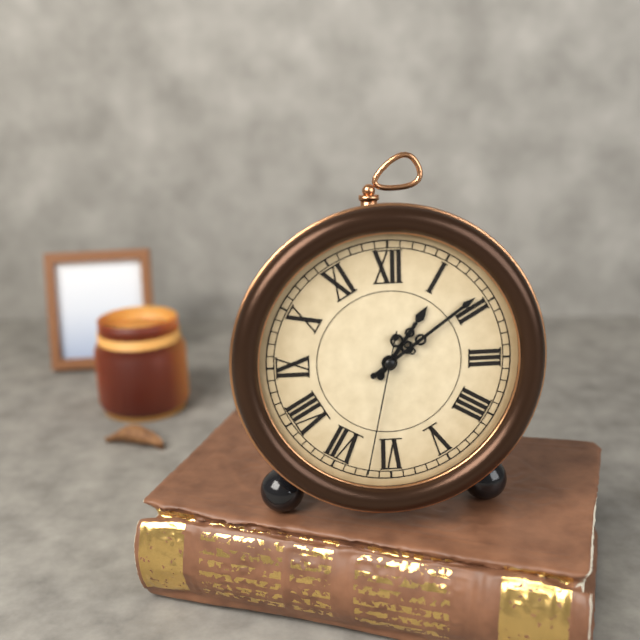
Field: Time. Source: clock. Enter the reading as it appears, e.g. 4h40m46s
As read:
1h09m32s
